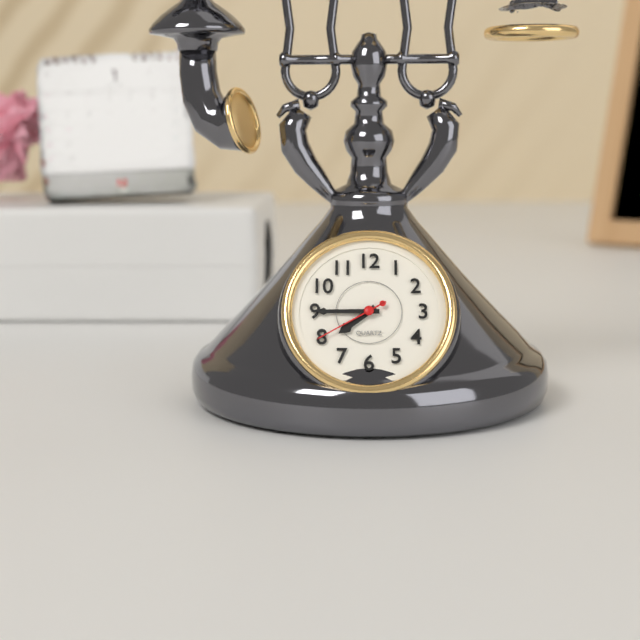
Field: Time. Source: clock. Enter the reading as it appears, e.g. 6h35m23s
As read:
7h45m40s
